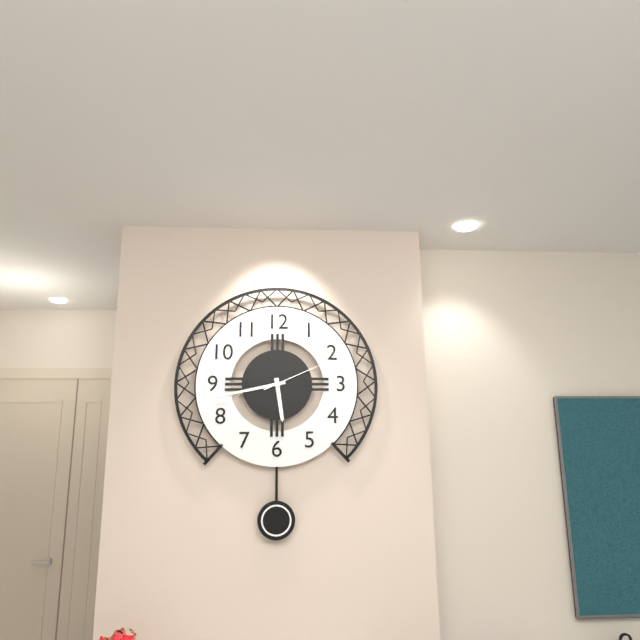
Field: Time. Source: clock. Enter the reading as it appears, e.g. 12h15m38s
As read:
5h43m11s
